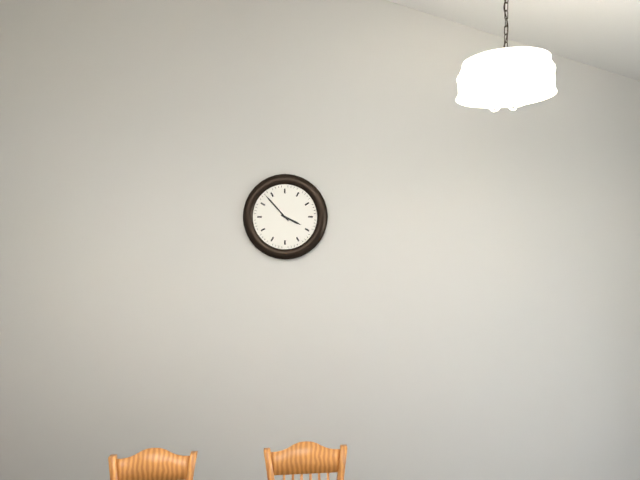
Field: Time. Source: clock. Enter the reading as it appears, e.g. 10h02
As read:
3h53
